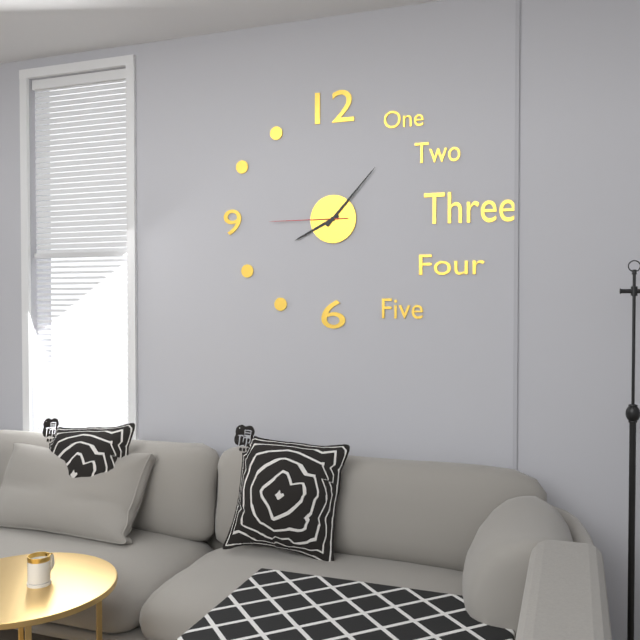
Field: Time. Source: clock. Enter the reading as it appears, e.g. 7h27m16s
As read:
8h07m45s
